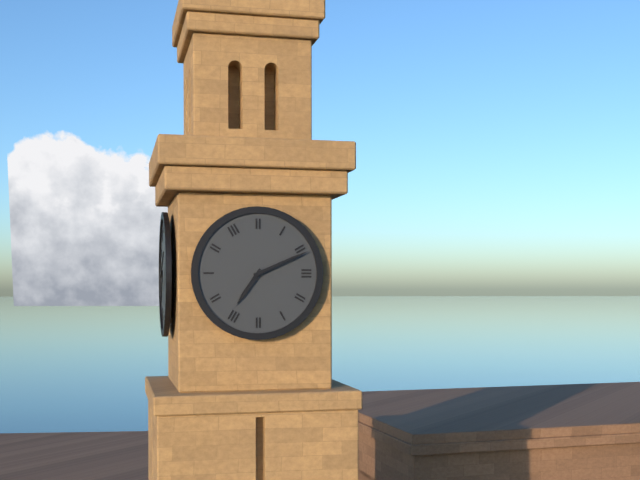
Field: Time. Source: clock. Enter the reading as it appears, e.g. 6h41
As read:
7h11
